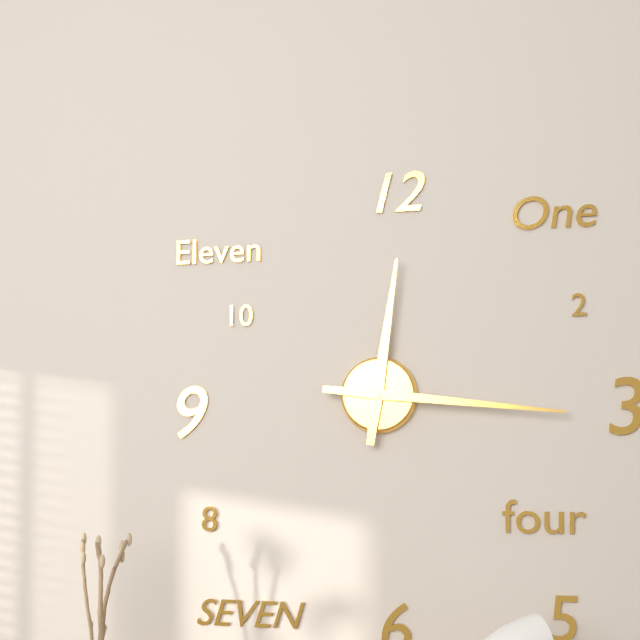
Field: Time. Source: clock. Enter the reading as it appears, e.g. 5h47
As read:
12h16
